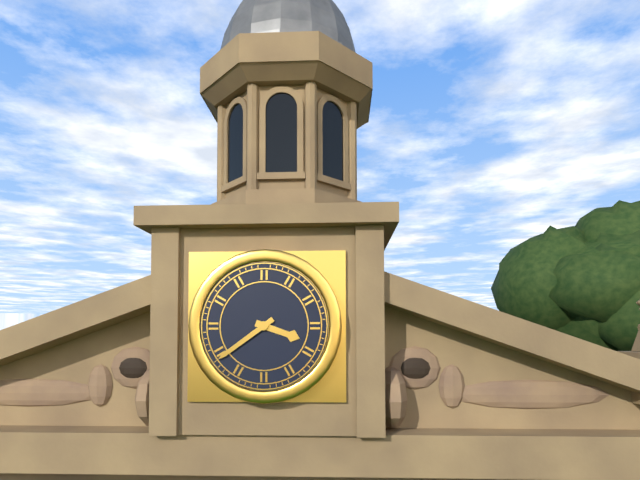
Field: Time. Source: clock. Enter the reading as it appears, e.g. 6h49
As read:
3h39
